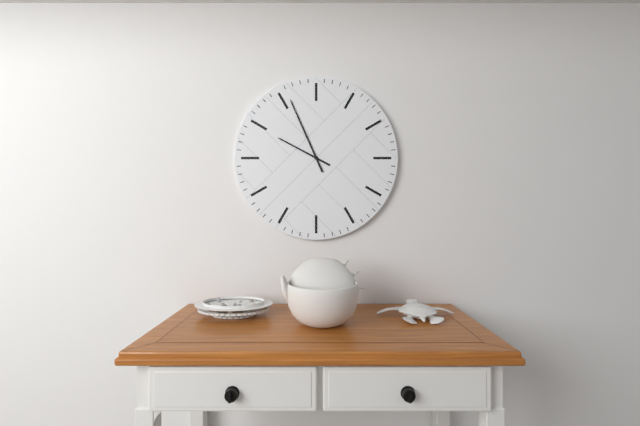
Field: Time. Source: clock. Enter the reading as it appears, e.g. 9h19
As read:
9h56
